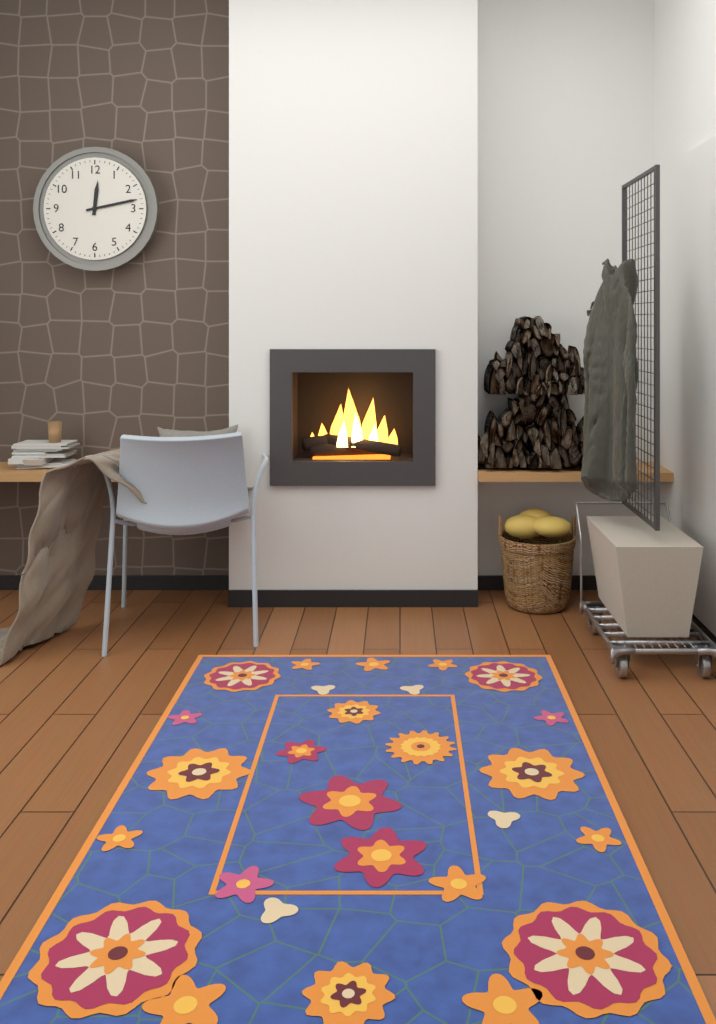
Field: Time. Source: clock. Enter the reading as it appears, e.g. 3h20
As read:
12h13
